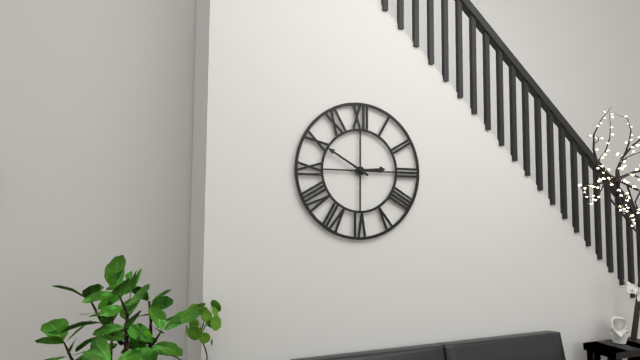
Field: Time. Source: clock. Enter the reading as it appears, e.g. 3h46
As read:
2h50
